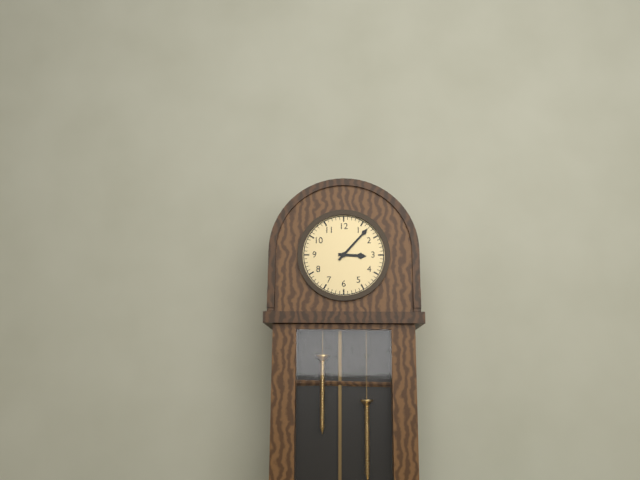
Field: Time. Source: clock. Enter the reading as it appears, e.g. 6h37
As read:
3h07
